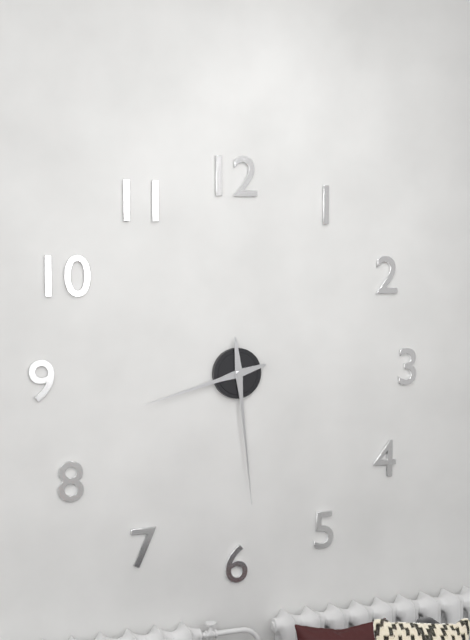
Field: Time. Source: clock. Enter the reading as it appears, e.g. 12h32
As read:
8h29
